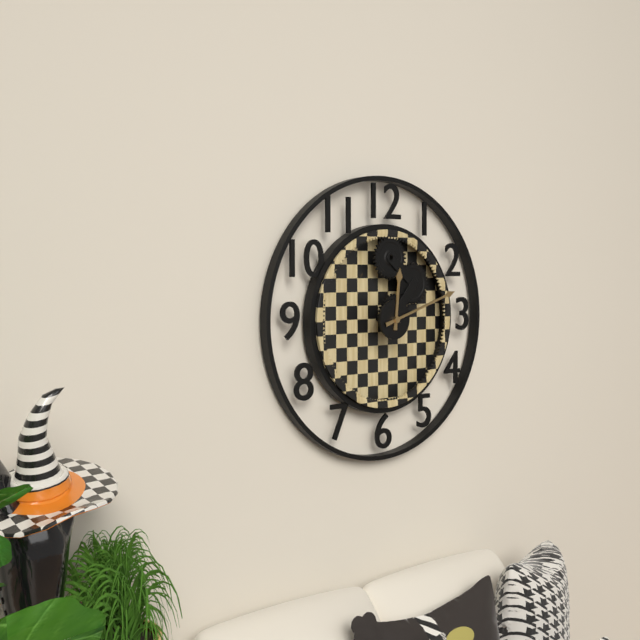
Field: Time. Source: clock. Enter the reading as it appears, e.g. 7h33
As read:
12h12
